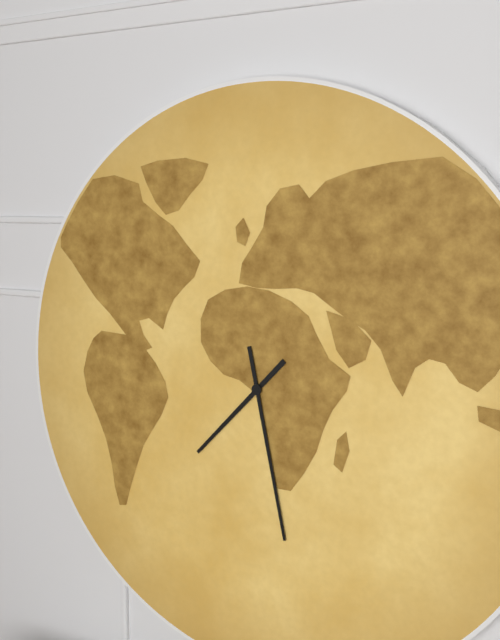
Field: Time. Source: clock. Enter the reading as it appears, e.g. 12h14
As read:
7h28
